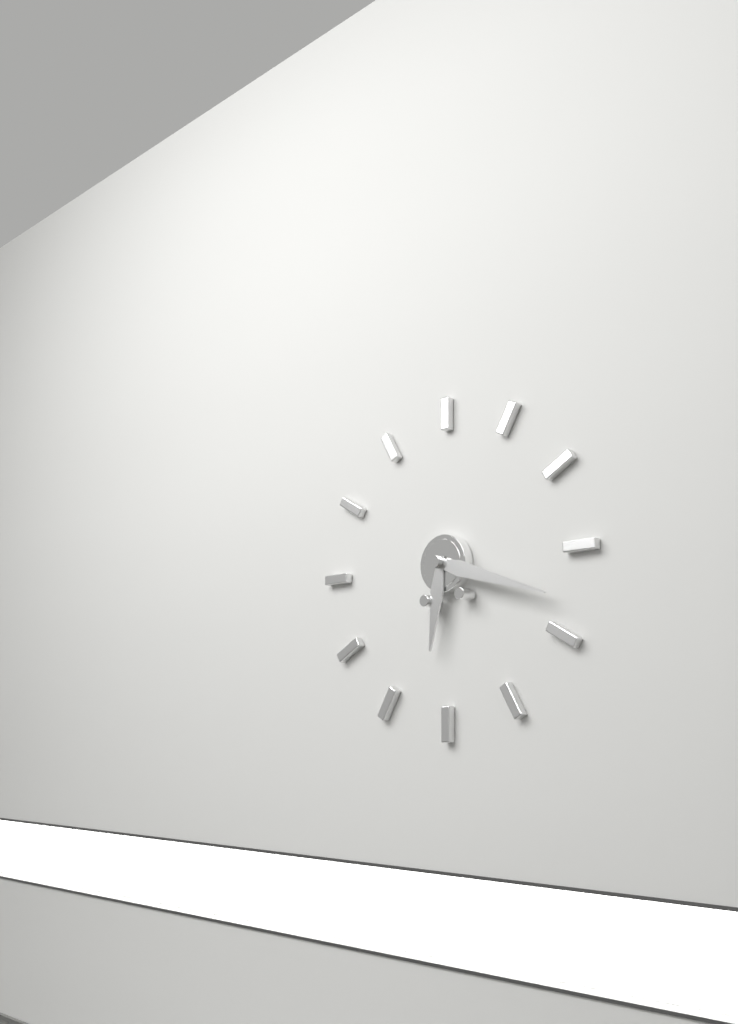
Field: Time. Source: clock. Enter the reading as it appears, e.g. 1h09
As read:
6h18
